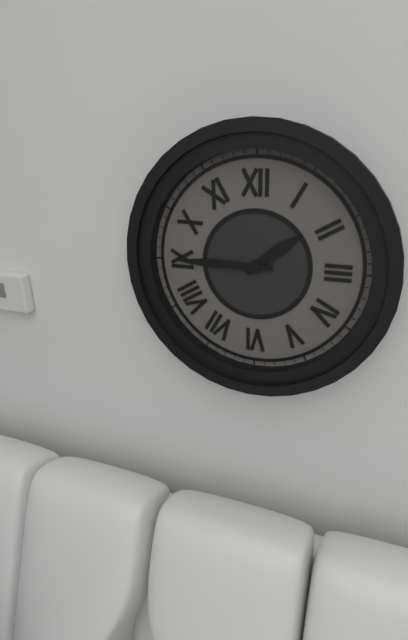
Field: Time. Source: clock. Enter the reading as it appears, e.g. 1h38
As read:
1h45
